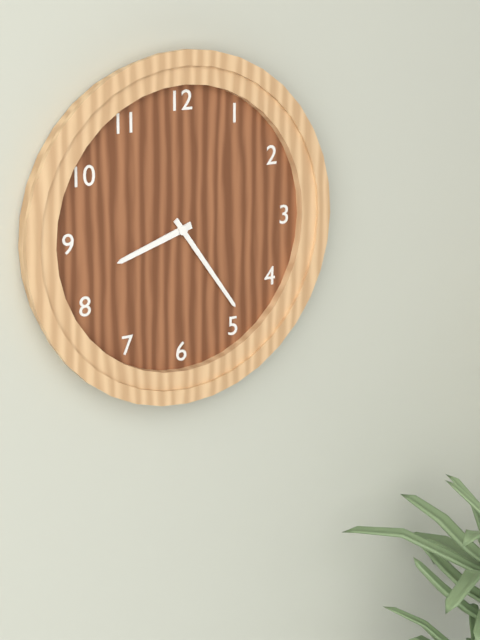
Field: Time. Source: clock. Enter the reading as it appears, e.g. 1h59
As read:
8h24
